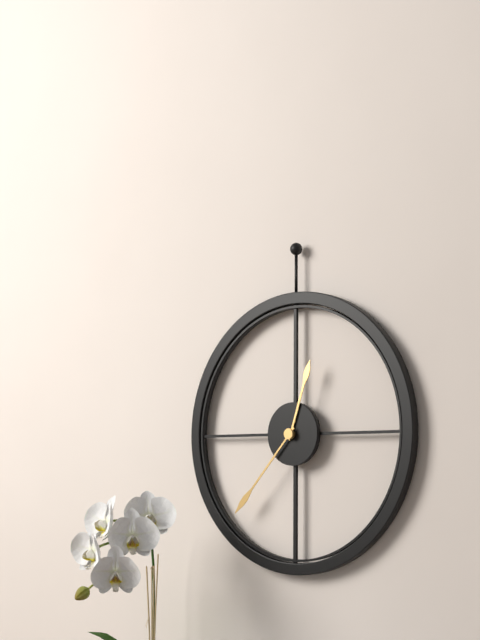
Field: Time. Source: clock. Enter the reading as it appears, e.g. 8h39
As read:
12h37
